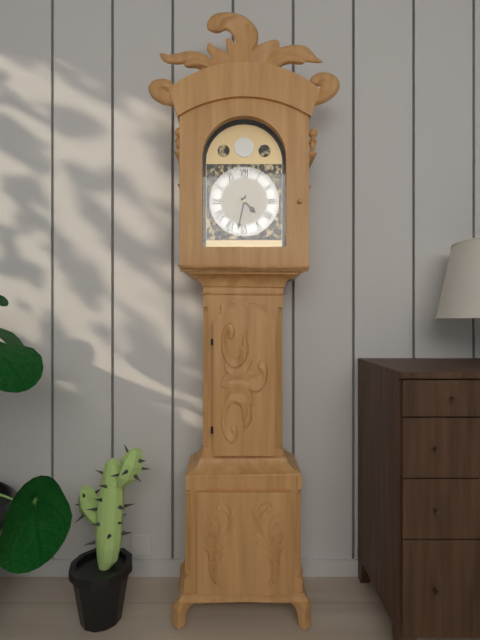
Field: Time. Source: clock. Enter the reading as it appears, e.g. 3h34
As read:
4h32
